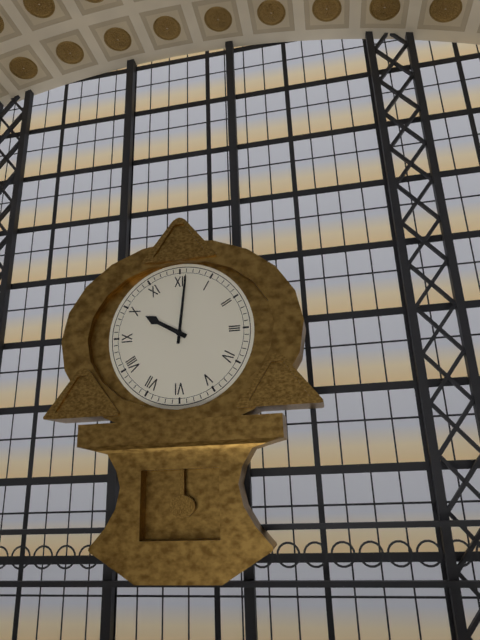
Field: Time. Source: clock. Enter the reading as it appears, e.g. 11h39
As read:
10h01
